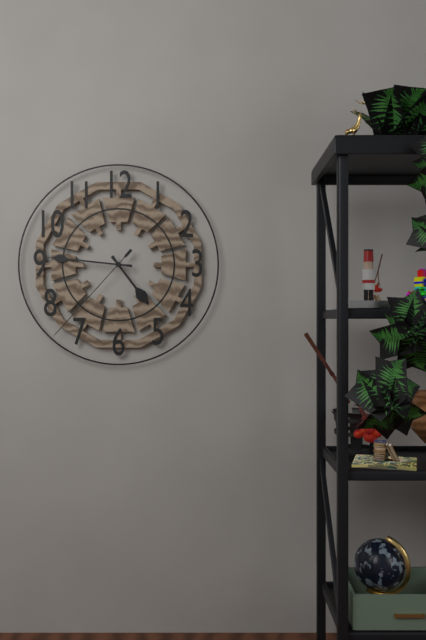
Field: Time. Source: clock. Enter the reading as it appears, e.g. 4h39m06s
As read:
4h46m37s
